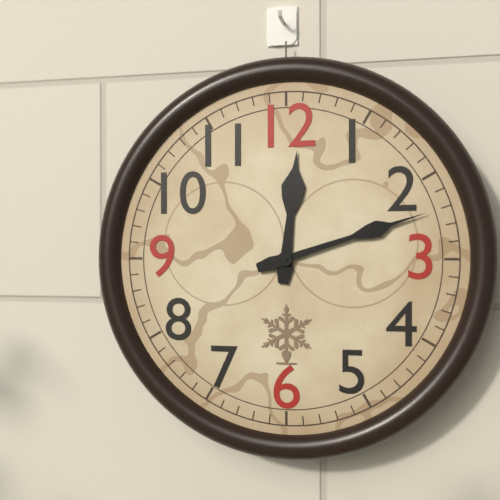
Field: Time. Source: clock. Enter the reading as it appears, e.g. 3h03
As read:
12h12
